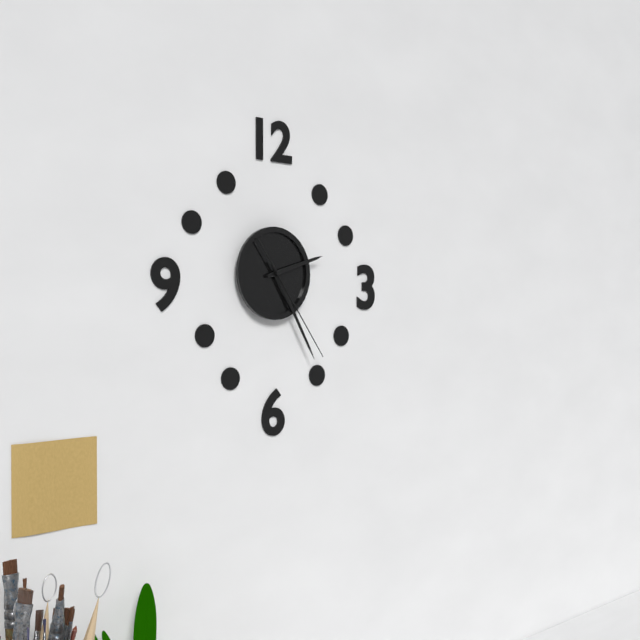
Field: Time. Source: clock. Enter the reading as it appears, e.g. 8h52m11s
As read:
2h25m24s
